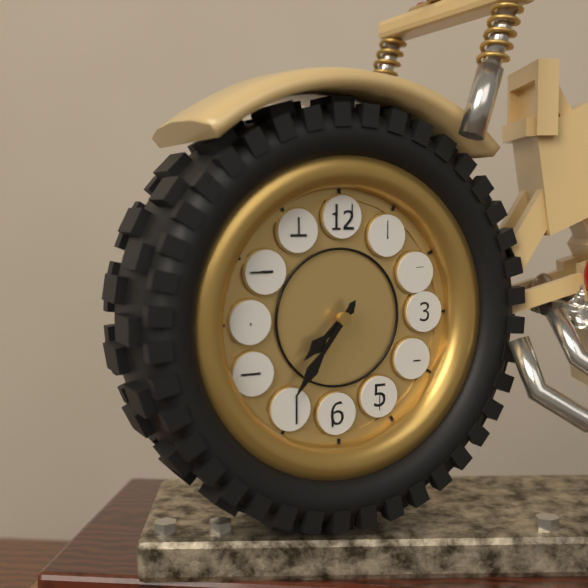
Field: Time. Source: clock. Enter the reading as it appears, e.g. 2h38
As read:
7h36
